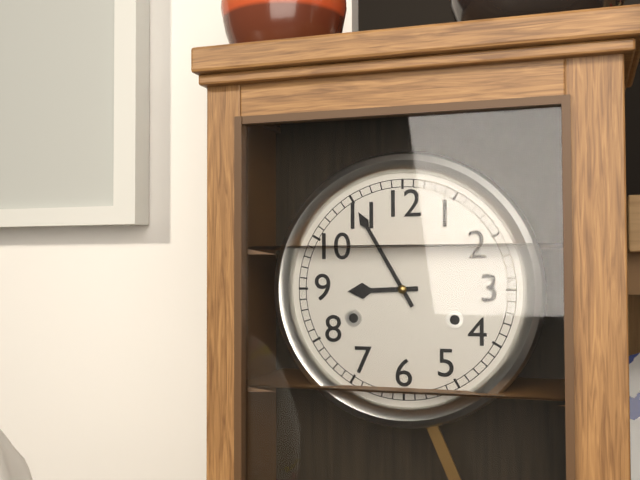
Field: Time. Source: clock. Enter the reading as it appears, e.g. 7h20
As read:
8h55
